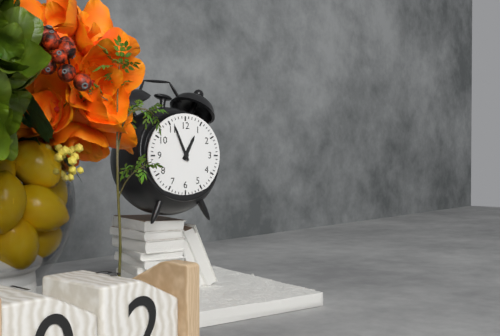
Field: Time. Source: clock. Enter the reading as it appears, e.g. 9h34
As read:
12h56
